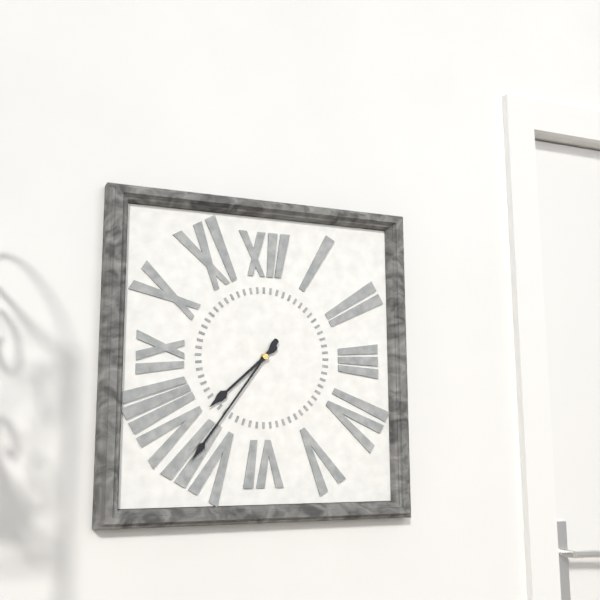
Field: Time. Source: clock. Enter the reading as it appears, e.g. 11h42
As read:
7h36
